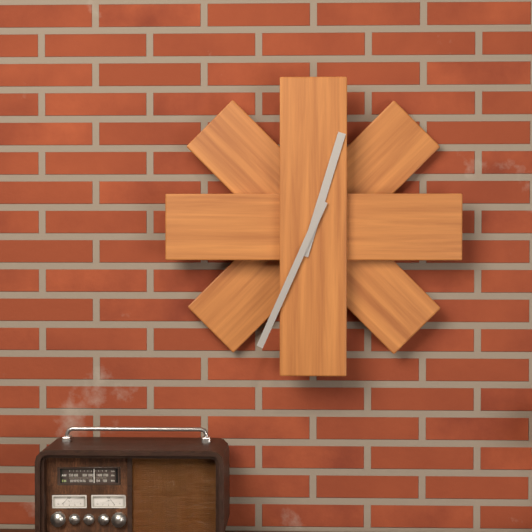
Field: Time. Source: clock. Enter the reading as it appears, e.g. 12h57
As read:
12h34
